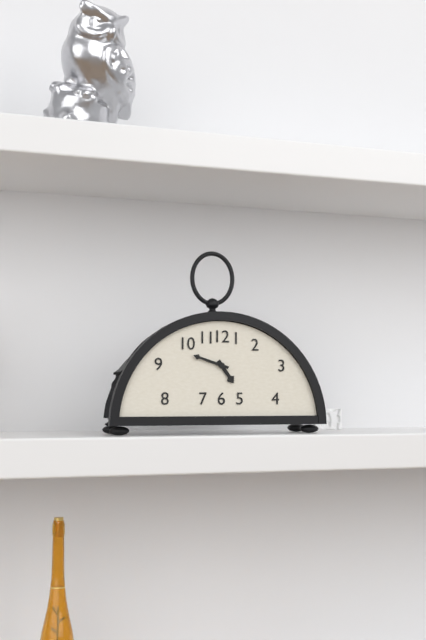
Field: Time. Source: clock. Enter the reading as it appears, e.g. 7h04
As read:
4h48
